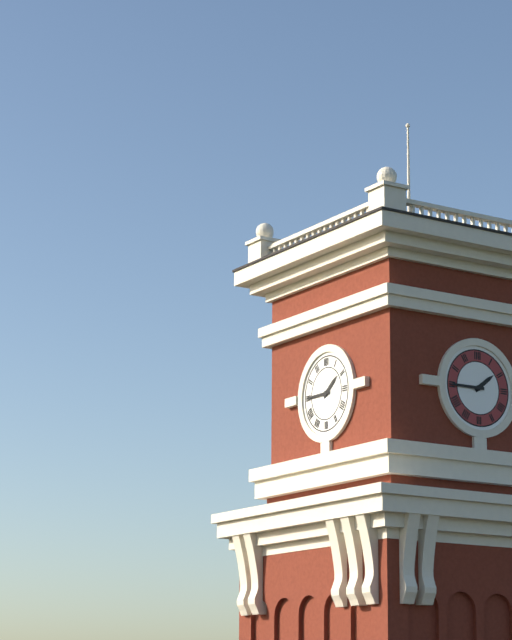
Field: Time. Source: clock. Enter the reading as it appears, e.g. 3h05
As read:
1h45
